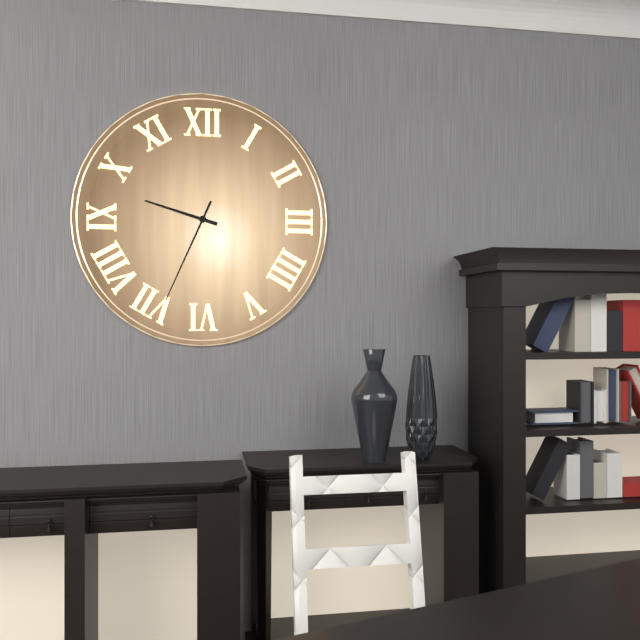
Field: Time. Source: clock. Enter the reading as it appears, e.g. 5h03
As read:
9h34
